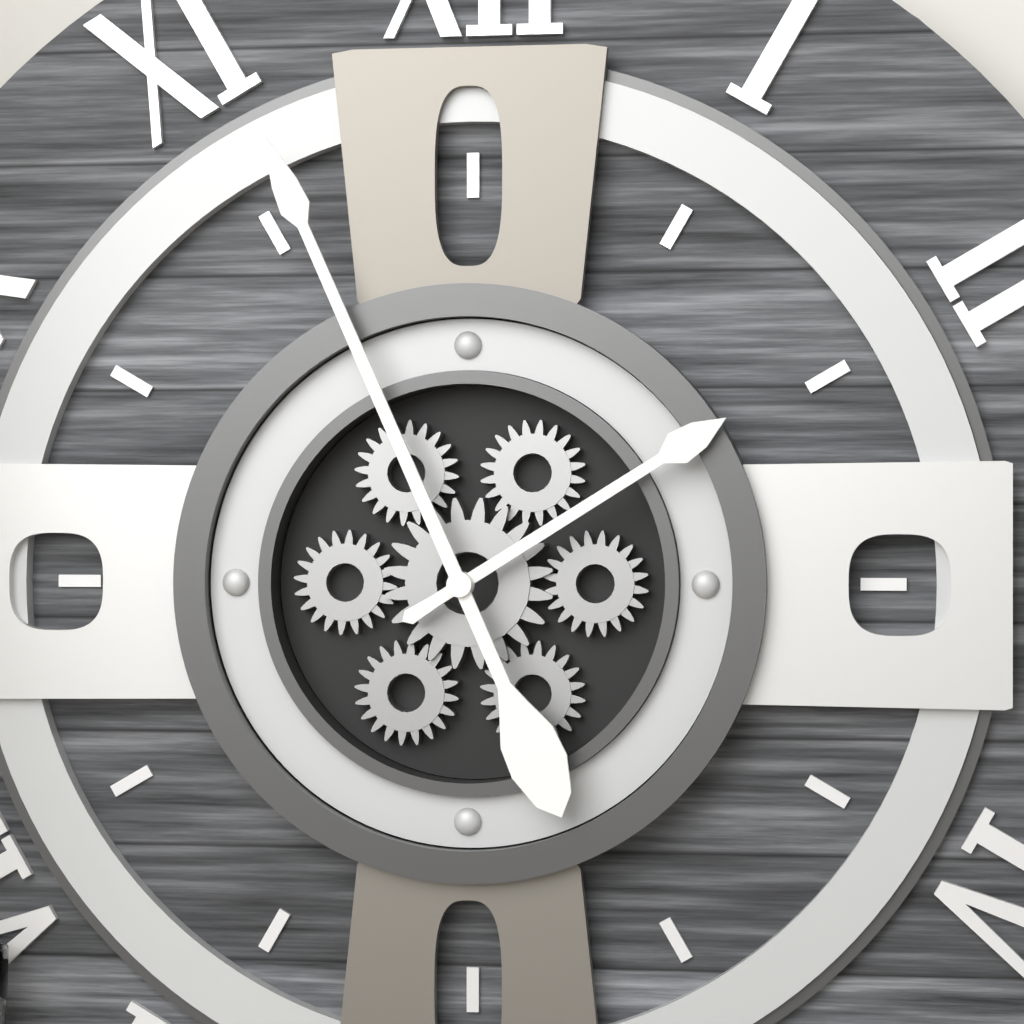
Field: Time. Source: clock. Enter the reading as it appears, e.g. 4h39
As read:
1h56
